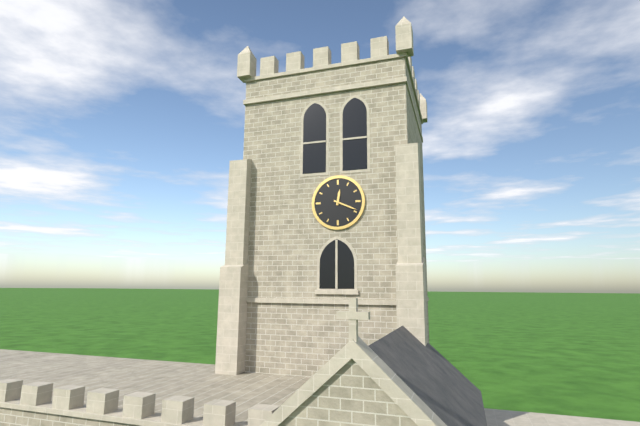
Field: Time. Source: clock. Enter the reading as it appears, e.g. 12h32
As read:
12h19
